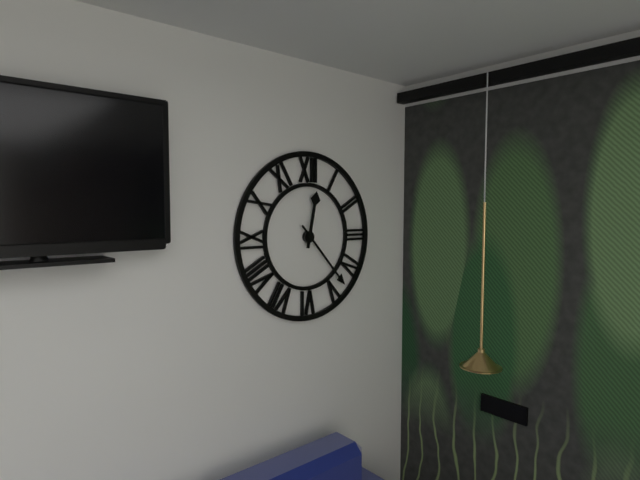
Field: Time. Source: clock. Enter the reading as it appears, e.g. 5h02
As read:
12h23
